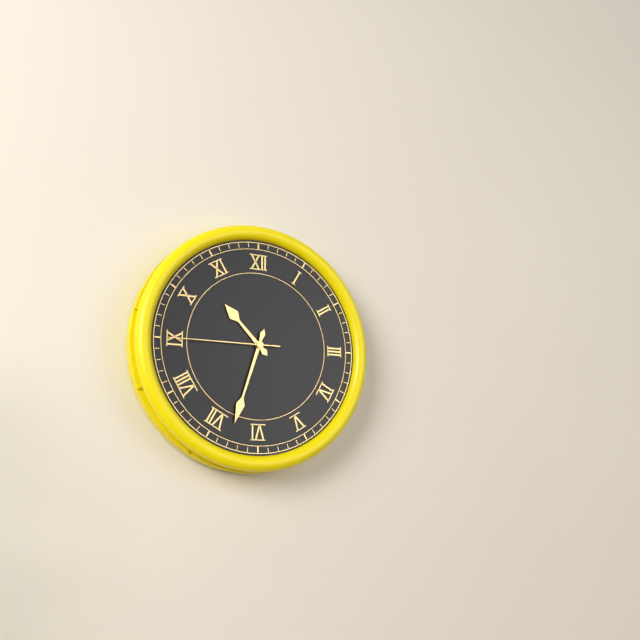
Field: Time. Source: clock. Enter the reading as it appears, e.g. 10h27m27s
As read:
10h33m45s
